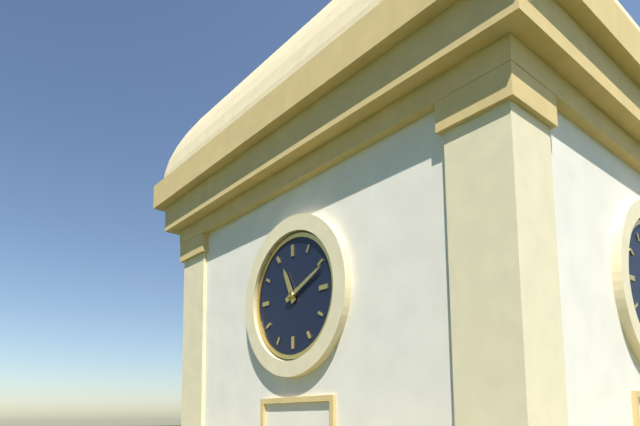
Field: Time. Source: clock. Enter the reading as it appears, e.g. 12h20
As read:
11h11
